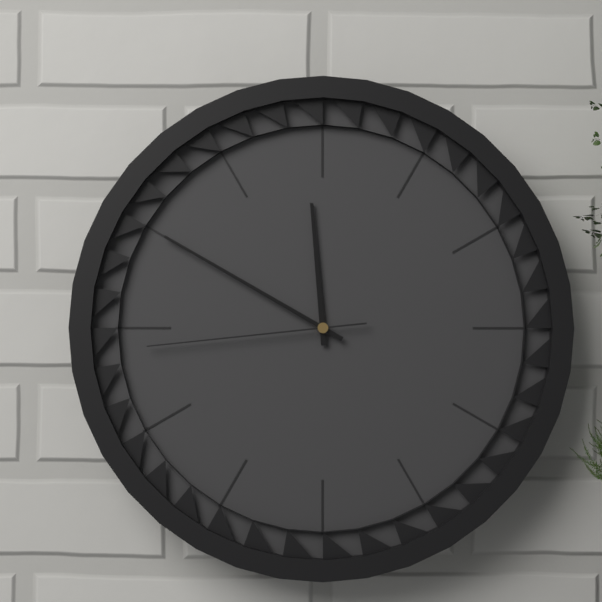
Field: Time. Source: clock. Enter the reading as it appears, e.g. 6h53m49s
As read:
11h50m44s
